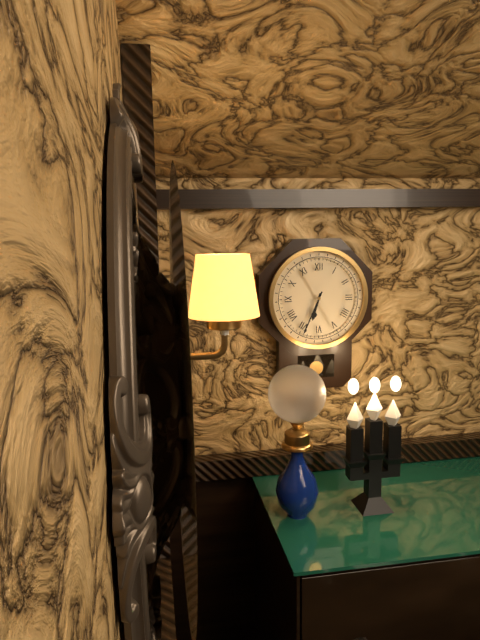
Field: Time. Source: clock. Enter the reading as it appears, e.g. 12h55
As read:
6h34
